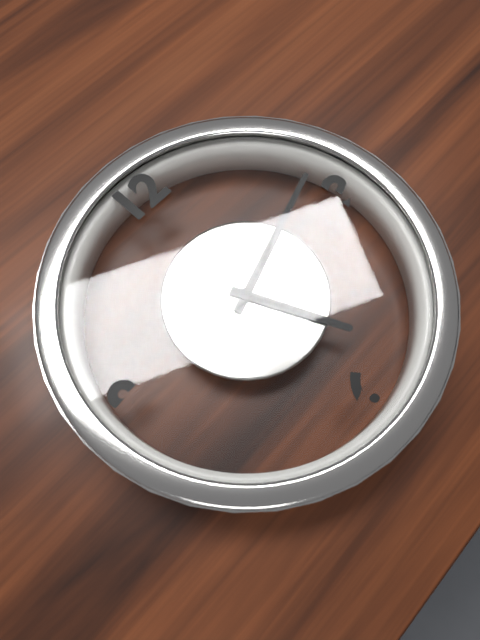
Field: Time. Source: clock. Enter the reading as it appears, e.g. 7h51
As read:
5h12
